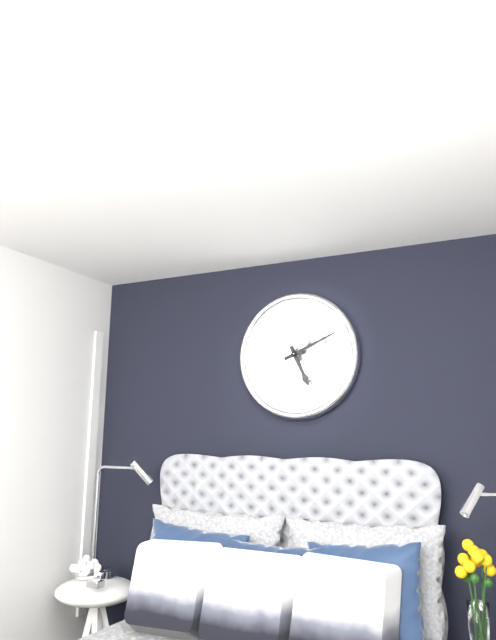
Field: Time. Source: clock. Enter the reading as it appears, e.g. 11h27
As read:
5h11
